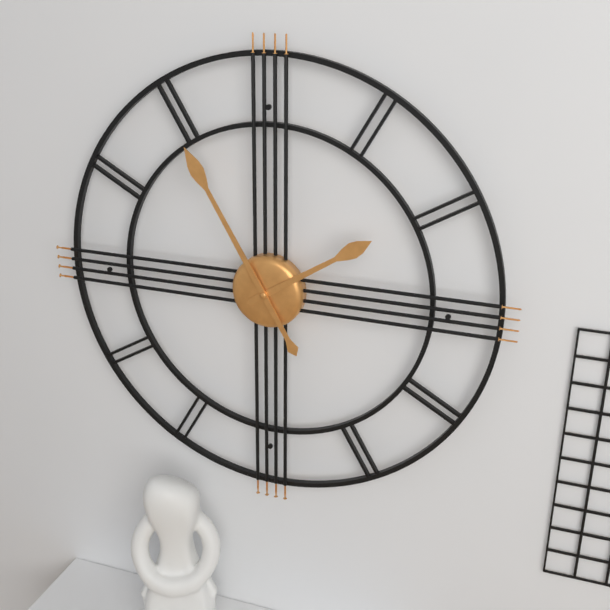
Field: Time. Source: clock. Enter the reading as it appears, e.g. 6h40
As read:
1h55
